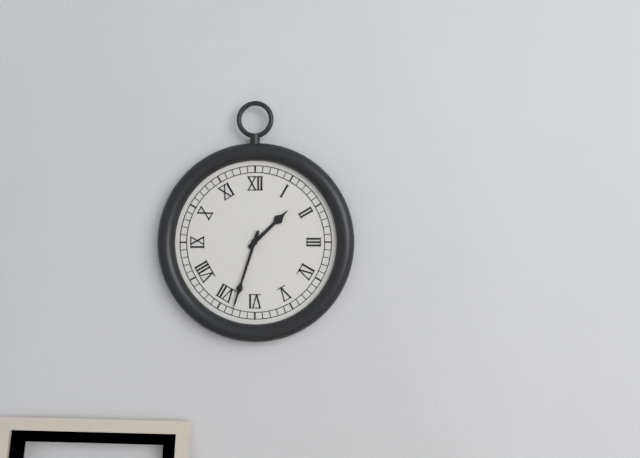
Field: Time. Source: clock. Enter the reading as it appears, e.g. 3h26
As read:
1h33
